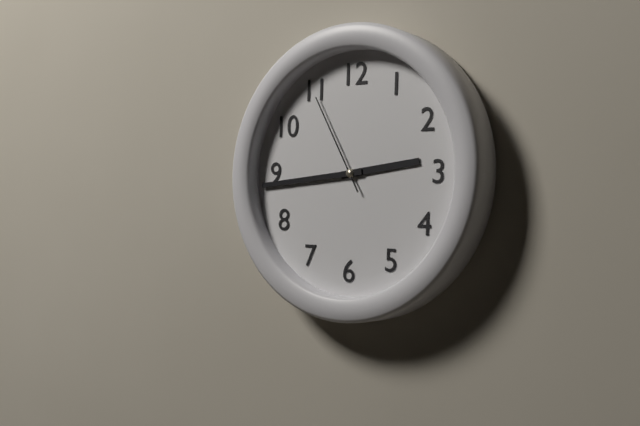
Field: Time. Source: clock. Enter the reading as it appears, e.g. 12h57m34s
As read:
2h44m55s
